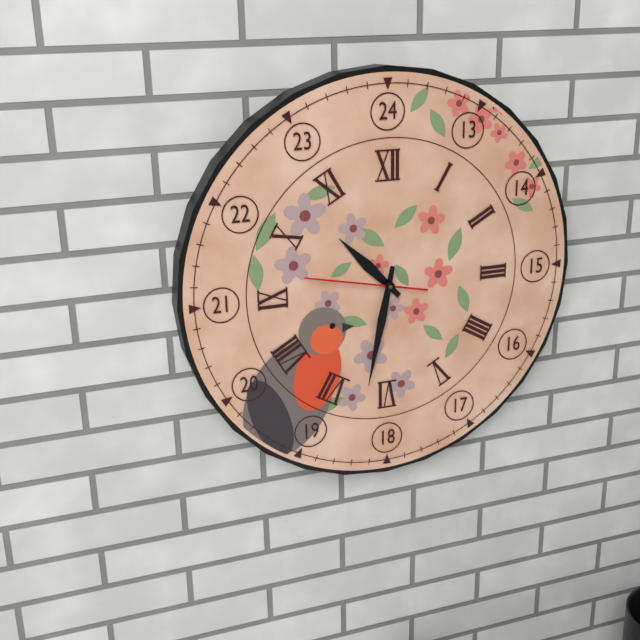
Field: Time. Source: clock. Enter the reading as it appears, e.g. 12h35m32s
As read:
10h32m47s
